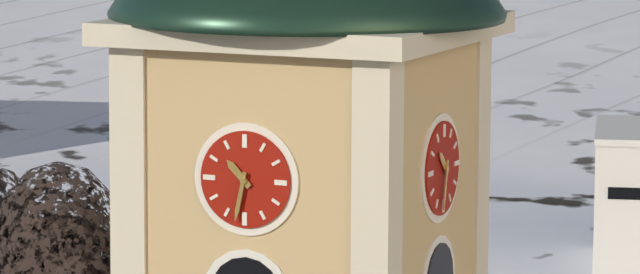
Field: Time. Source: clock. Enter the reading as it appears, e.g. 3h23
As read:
10h32
